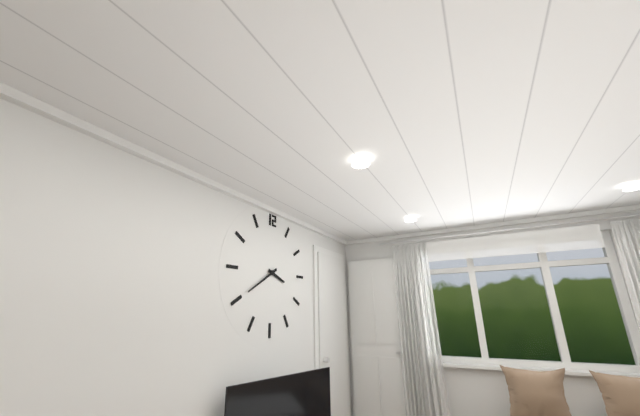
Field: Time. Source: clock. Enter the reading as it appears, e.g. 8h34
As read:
3h40
